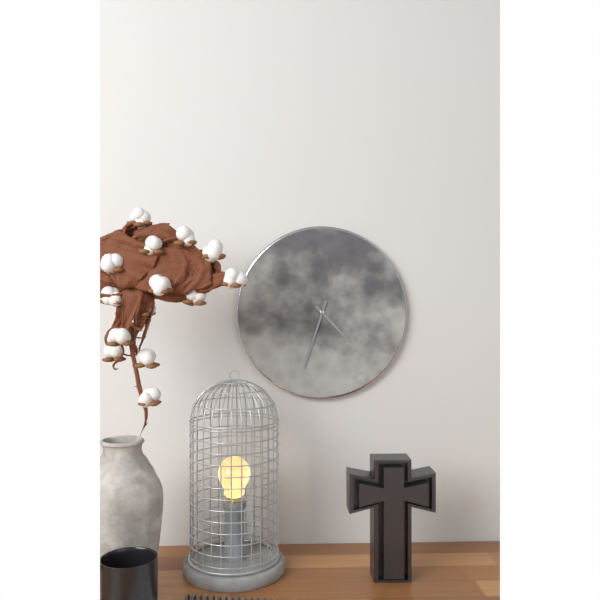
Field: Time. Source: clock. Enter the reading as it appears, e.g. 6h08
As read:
4h33
